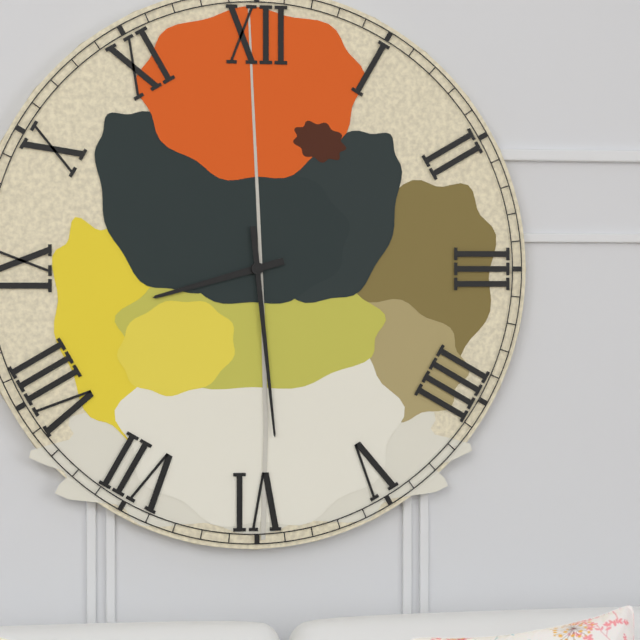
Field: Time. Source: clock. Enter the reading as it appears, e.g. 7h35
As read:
8h29
